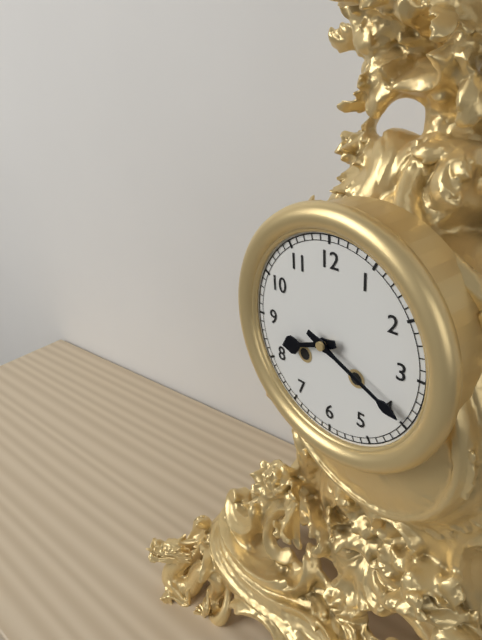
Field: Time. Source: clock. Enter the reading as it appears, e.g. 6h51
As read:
8h19
